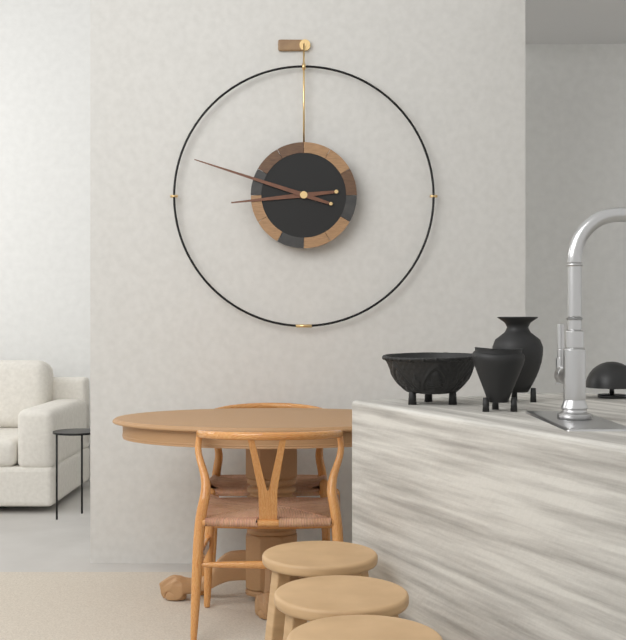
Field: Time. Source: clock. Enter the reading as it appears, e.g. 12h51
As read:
8h48
